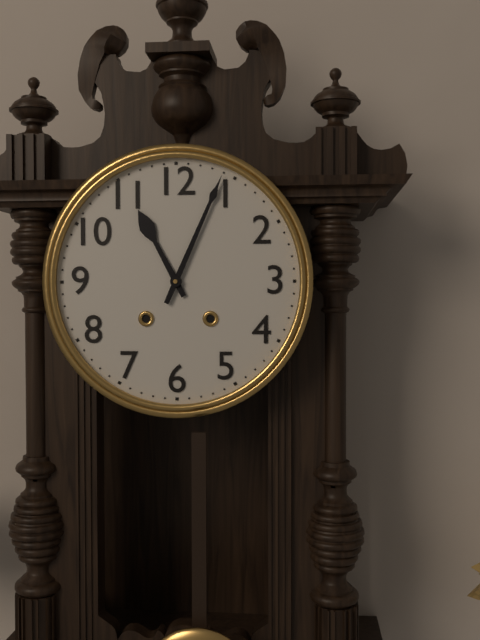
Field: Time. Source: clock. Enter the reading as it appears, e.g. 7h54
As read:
11h04
